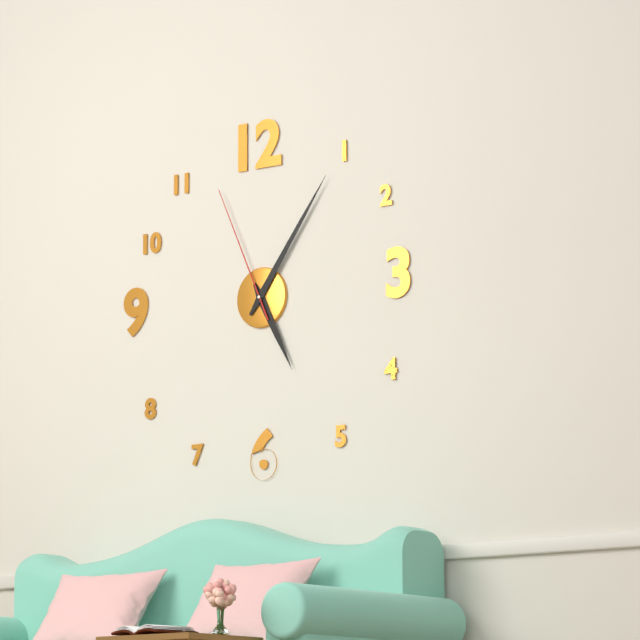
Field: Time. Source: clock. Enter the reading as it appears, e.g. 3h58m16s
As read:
5h06m56s
